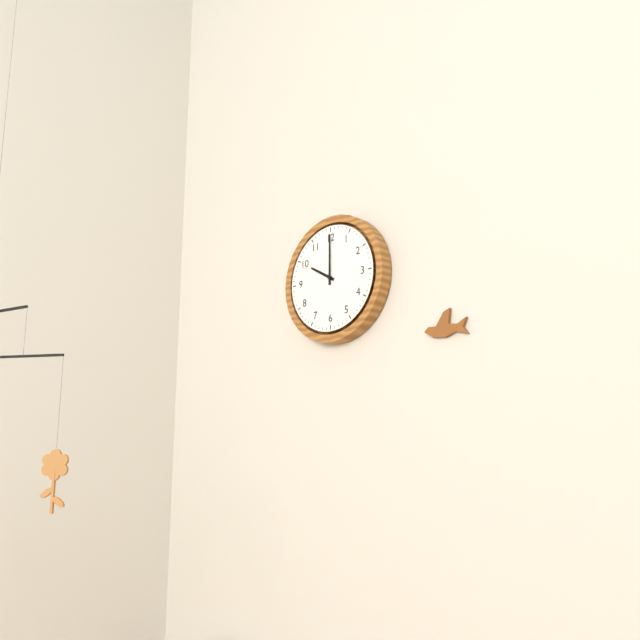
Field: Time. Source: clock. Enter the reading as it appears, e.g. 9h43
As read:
10h00
